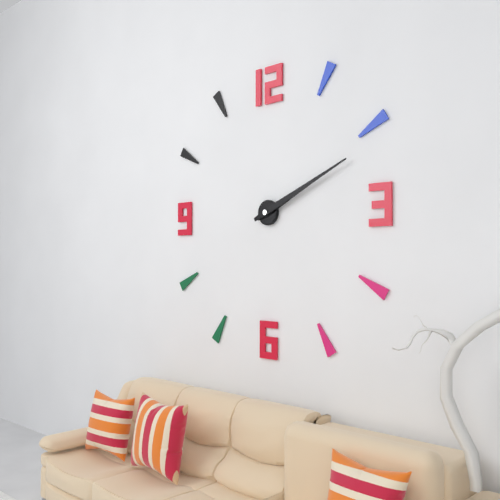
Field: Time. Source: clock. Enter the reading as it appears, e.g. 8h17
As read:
2h11
